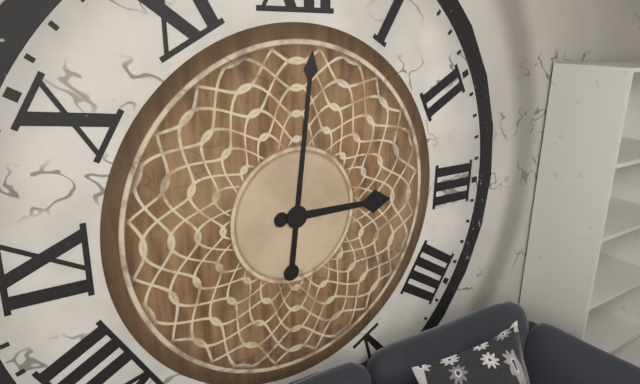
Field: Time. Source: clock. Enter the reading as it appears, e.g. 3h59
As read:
3h01
